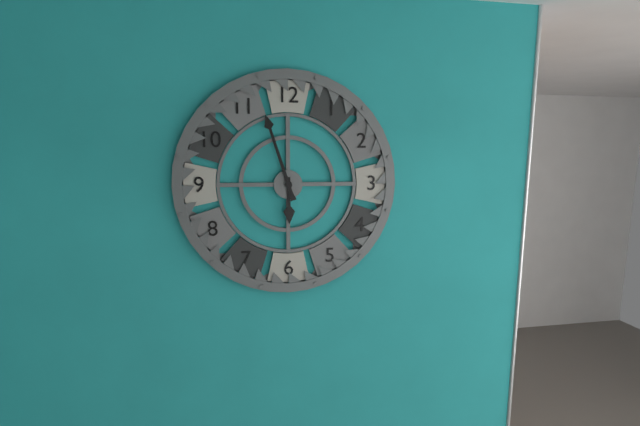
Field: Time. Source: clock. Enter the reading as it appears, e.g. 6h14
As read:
5h57
